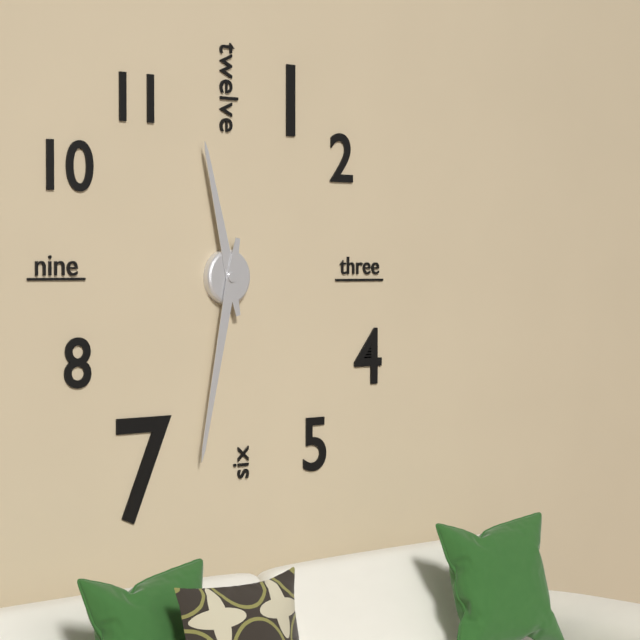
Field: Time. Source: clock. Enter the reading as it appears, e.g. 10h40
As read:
11h32
